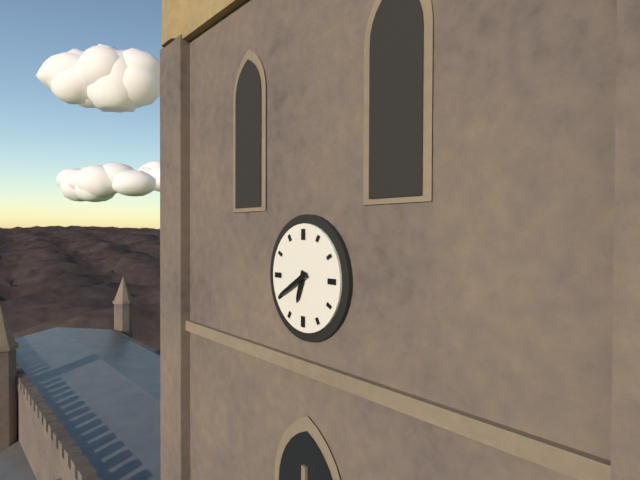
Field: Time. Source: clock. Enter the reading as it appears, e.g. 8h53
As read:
6h40
